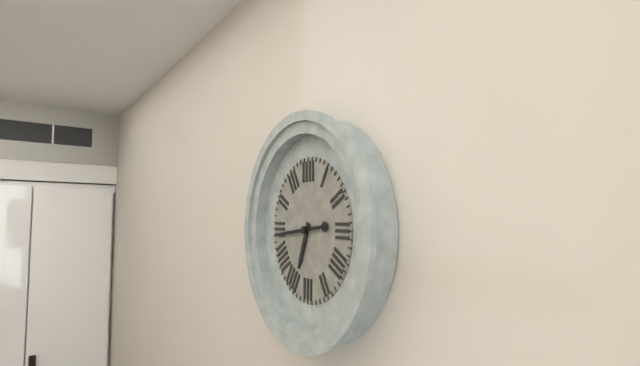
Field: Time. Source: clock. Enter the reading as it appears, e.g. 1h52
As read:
6h44
